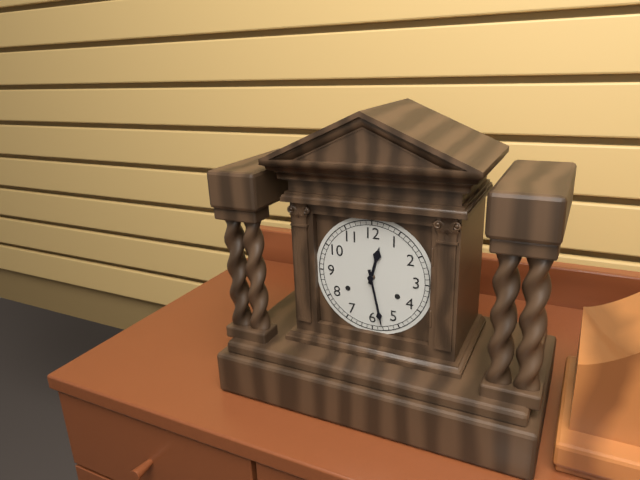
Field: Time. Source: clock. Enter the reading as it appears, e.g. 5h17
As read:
12h28
